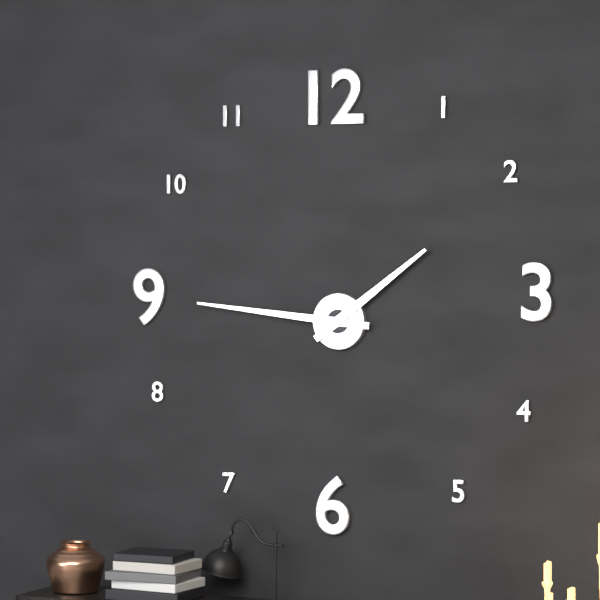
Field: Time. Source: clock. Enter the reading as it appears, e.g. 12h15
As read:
1h46
